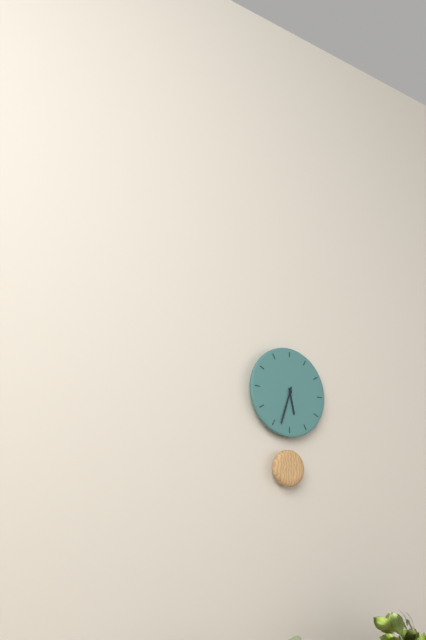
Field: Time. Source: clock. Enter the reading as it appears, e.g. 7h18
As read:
5h33
